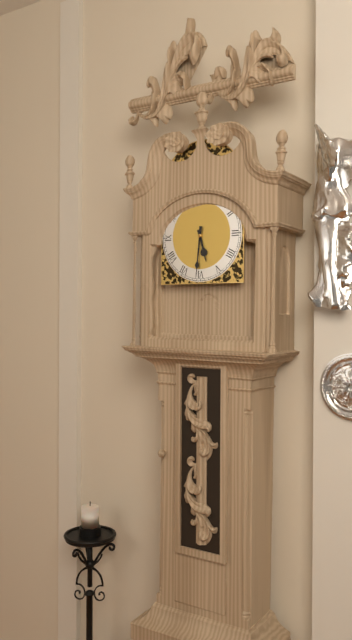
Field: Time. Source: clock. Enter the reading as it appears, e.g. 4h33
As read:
5h31
